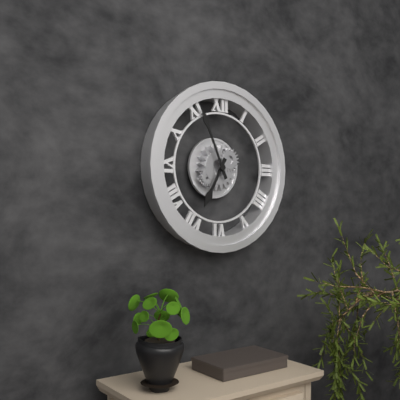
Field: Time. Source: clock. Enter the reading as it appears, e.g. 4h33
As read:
6h56
